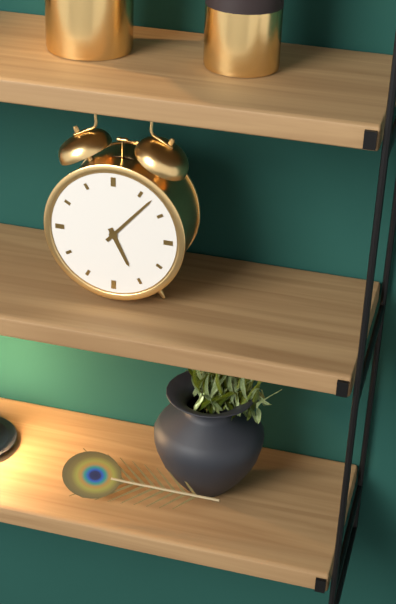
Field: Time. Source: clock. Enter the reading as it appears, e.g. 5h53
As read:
5h07
